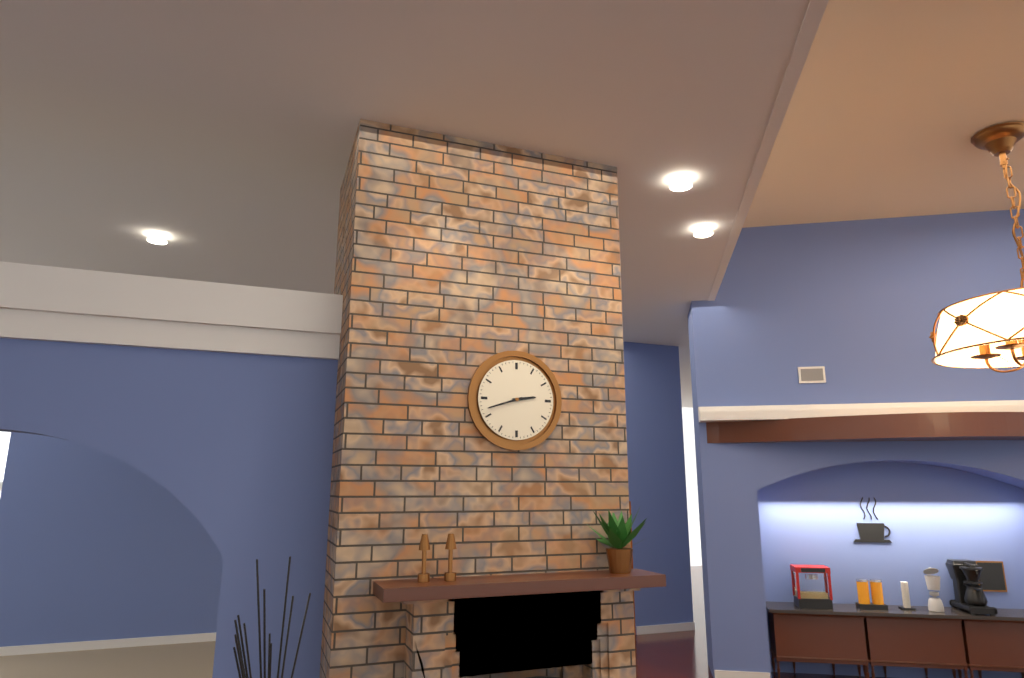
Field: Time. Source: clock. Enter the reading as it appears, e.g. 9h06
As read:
2h42
